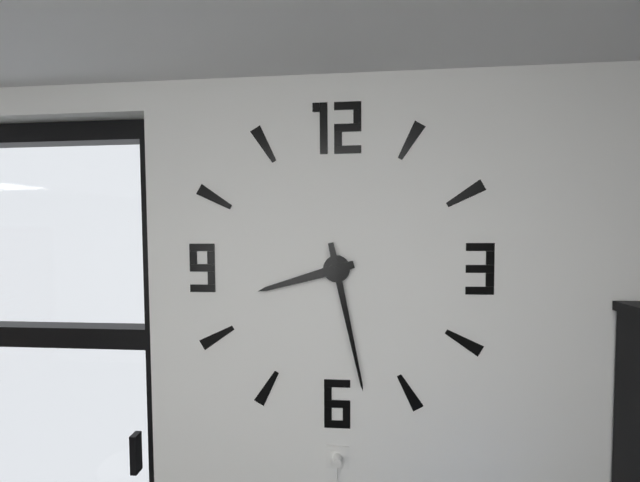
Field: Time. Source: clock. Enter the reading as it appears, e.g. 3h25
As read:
8h28
